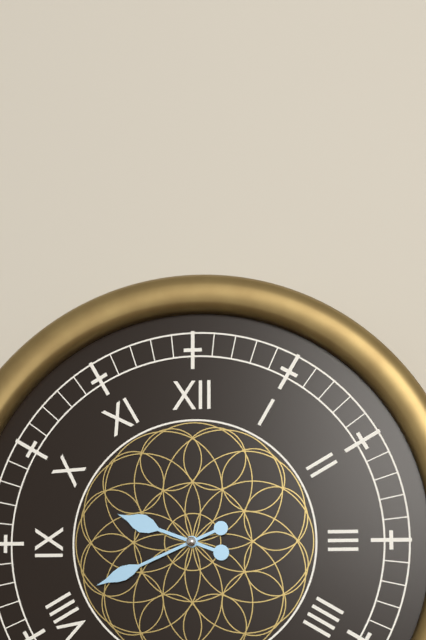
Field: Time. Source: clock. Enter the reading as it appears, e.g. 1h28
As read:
9h41
